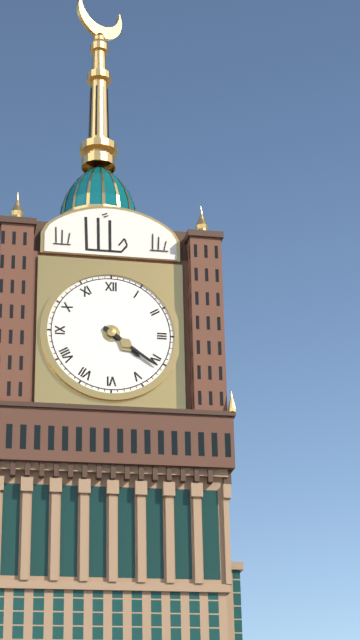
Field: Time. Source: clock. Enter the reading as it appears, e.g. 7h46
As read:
4h21
